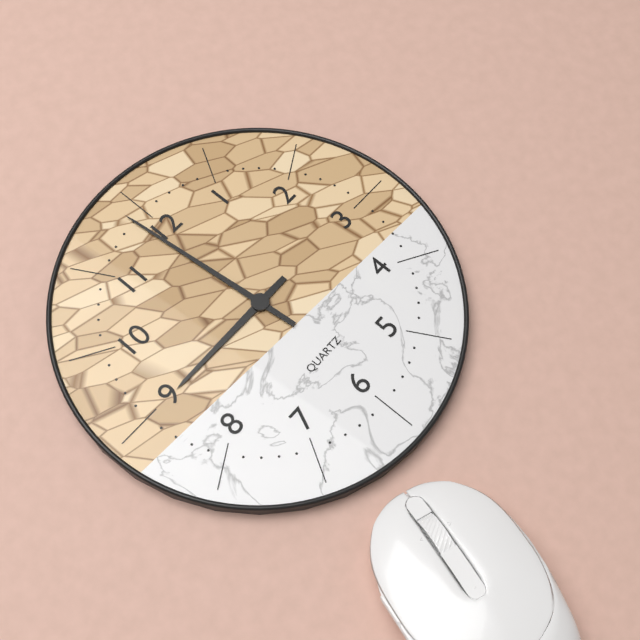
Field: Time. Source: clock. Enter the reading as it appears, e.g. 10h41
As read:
8h59
